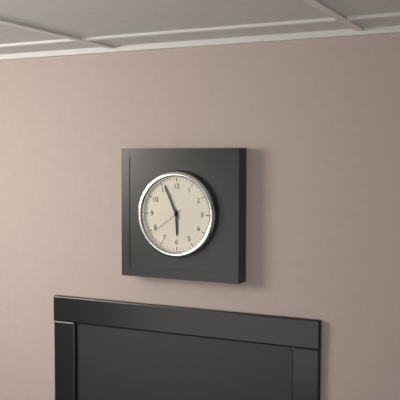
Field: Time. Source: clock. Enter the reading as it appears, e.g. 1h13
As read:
5h56
